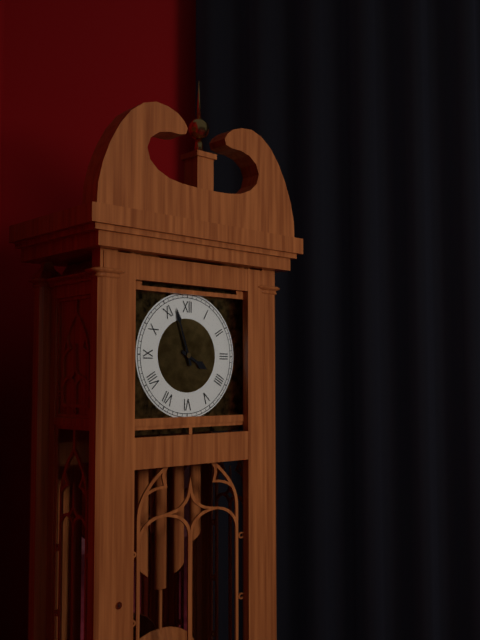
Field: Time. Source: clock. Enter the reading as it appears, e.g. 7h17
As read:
3h57
